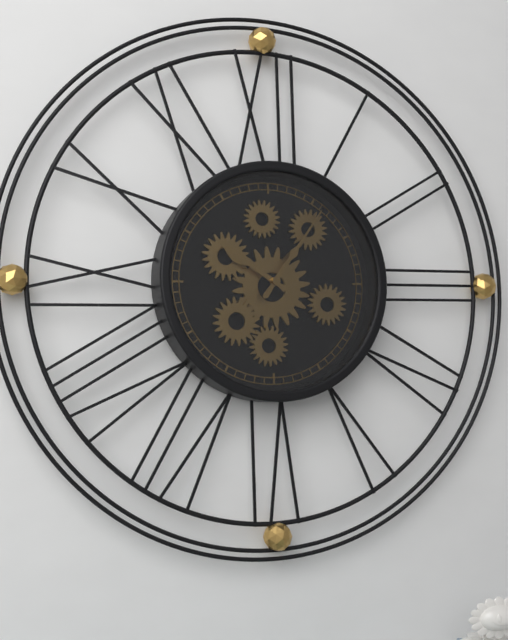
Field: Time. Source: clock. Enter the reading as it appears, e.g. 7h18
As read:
10h06
